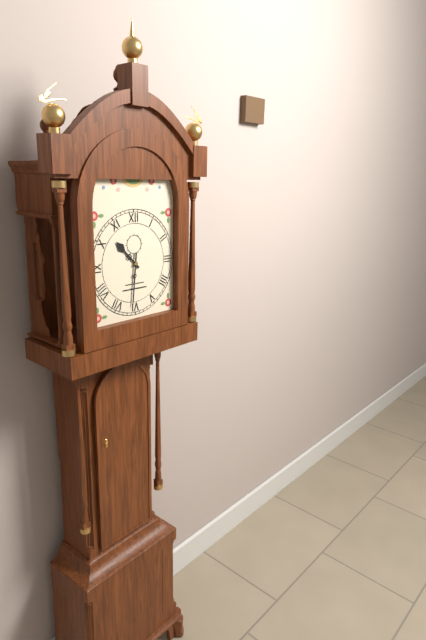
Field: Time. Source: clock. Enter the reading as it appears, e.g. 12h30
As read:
10h31
